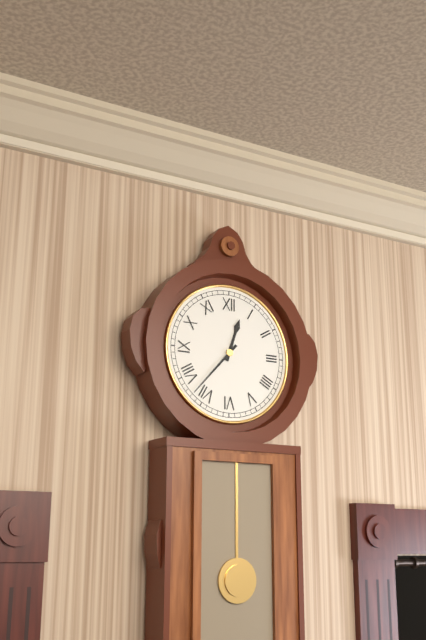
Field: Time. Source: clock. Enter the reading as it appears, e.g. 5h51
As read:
12h37
